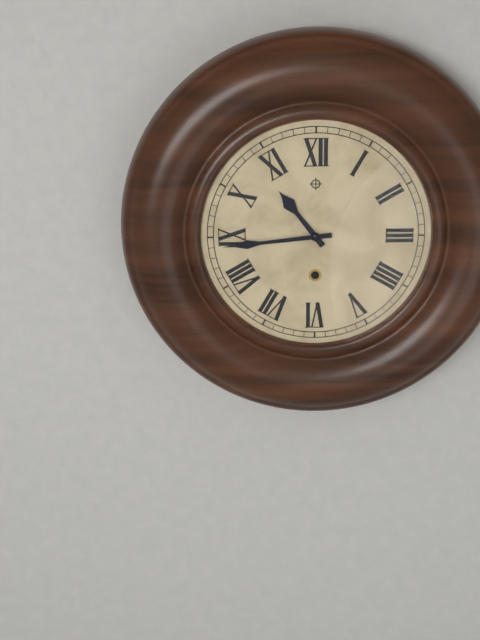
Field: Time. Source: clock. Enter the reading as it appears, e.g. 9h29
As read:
10h44
